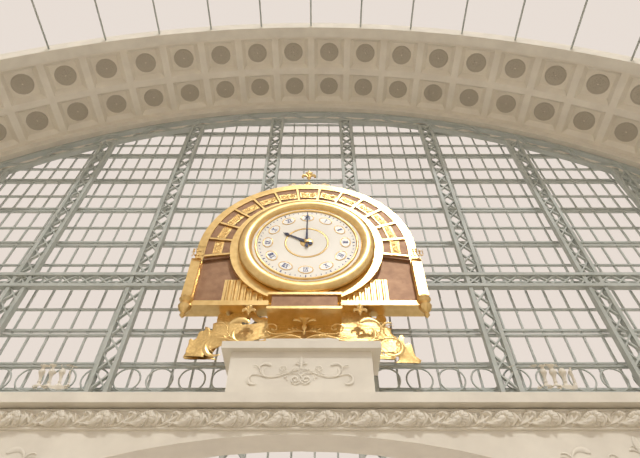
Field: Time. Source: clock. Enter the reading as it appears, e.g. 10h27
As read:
10h00
